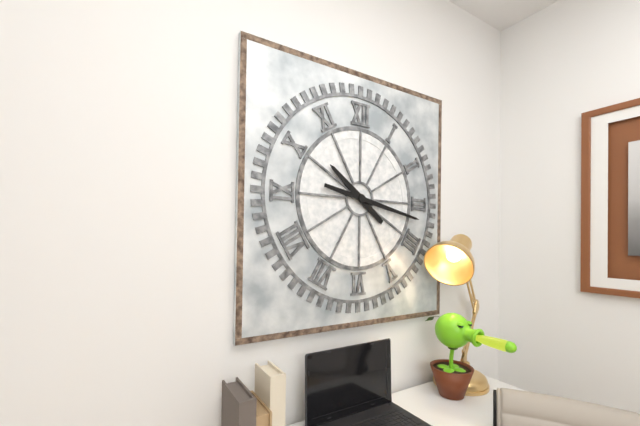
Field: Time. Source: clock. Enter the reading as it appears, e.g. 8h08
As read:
10h17
